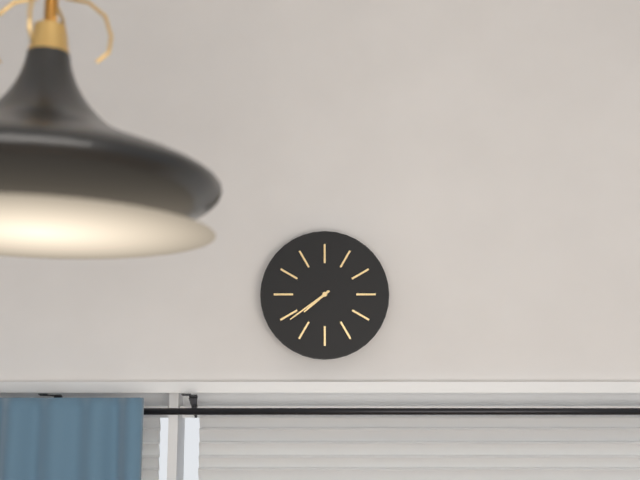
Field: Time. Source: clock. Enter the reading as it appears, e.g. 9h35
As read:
7h39
